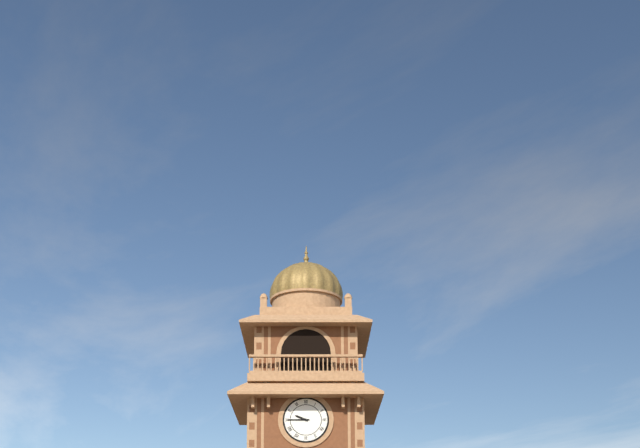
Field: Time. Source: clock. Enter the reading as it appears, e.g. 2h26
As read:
9h45
